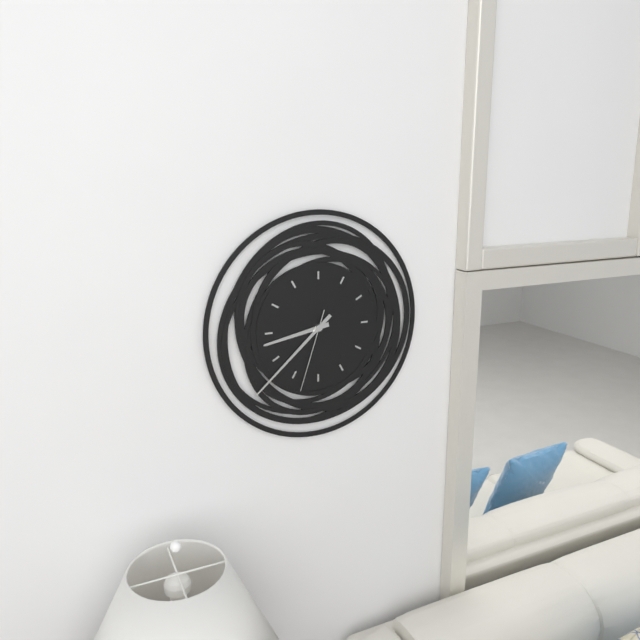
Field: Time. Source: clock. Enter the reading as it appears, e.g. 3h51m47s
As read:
8h38m33s
